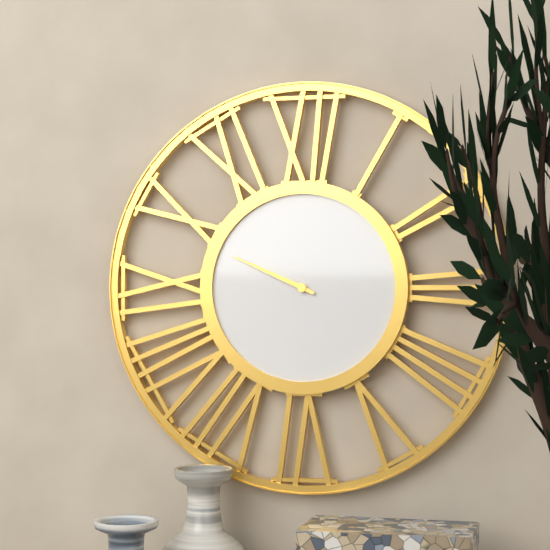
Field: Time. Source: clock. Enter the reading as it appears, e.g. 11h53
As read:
9h49
